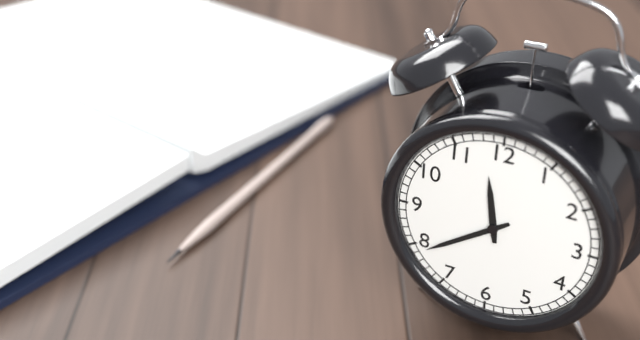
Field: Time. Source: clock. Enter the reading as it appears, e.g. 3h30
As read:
11h39
